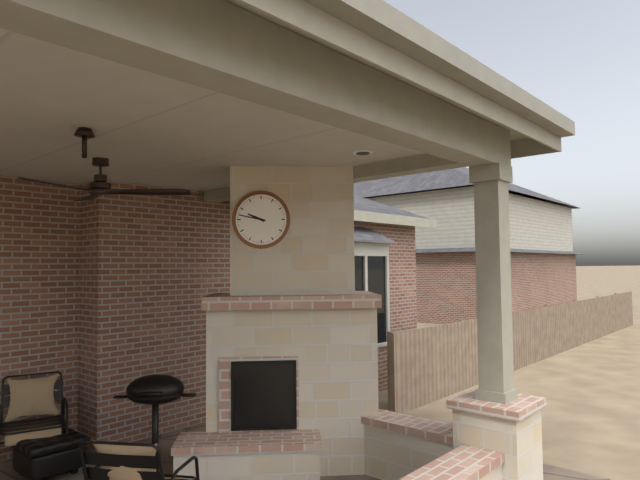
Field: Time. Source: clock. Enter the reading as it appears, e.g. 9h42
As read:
9h47
